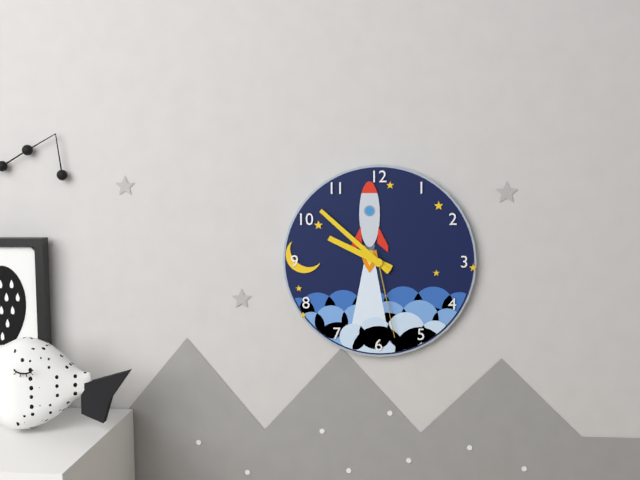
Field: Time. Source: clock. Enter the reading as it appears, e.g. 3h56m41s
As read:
9h52m28s
